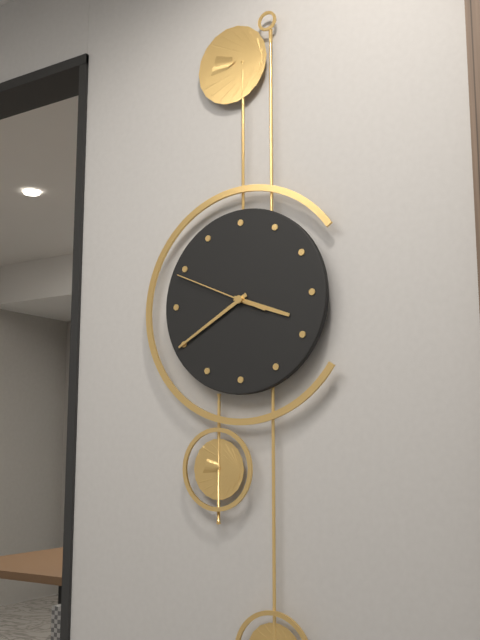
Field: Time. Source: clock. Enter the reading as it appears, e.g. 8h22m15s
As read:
3h40m49s
